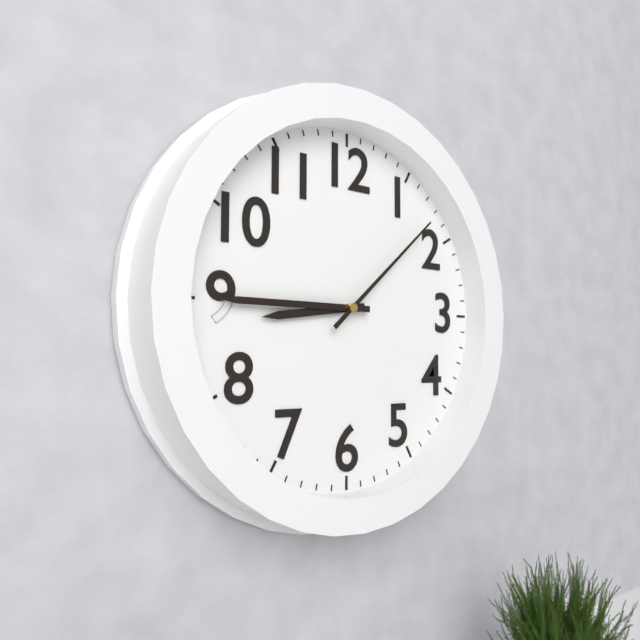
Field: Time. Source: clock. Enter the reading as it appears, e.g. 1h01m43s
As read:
8h45m08s
